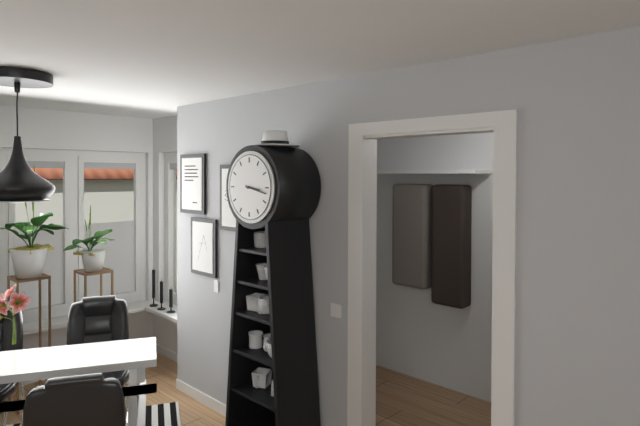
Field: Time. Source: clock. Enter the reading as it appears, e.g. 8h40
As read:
3h17
